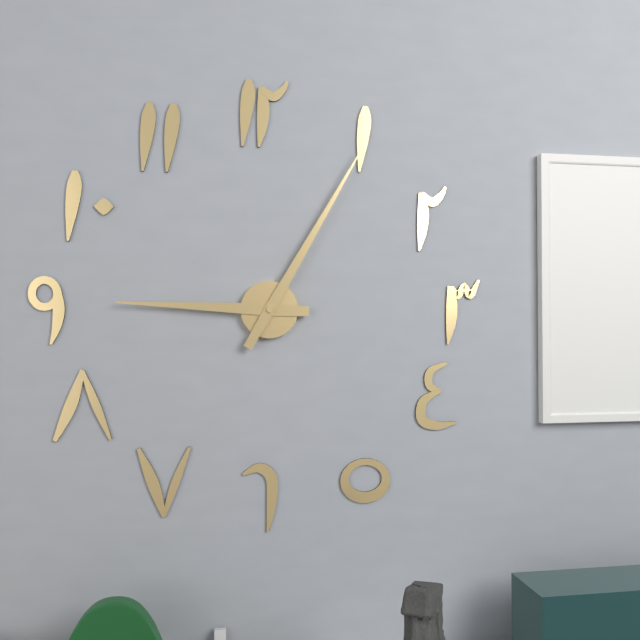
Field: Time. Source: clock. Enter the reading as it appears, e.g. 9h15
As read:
9h05
